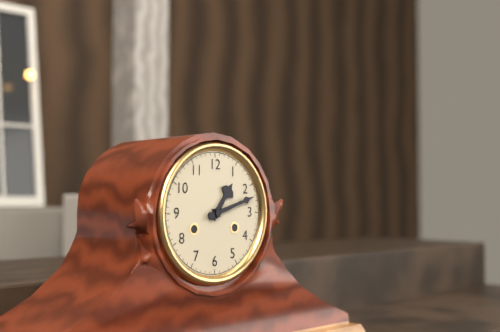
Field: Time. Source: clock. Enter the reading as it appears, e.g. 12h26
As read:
1h12
